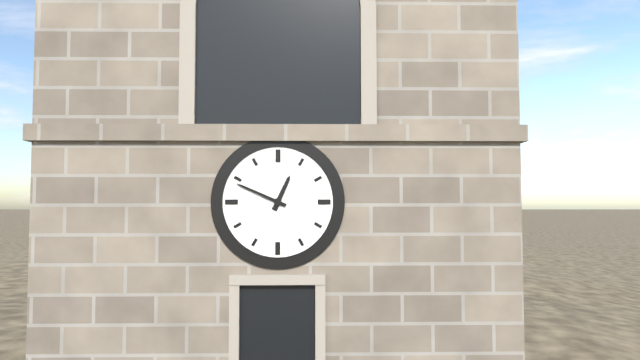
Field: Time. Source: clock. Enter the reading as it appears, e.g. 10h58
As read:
12h49
